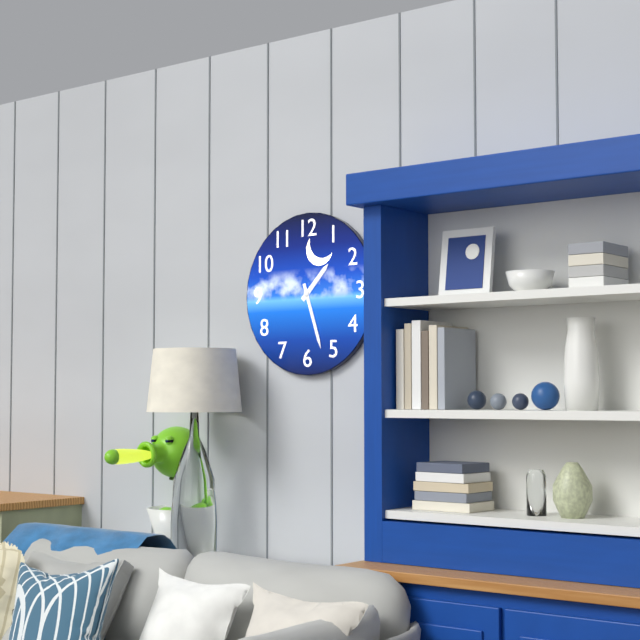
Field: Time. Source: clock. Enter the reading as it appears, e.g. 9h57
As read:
1h27
